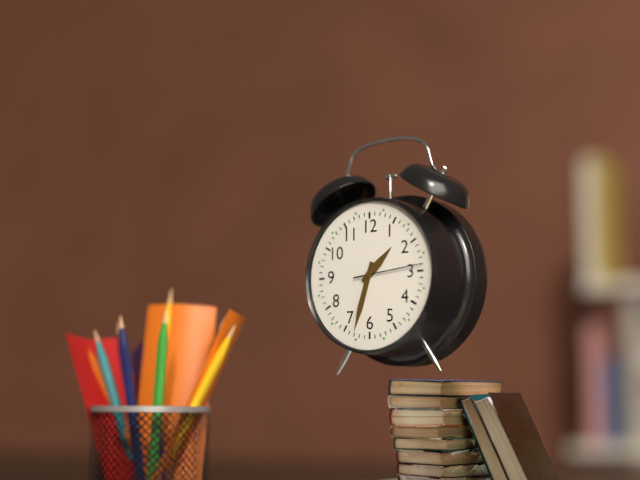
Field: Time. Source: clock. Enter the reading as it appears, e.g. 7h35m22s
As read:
1h33m14s
